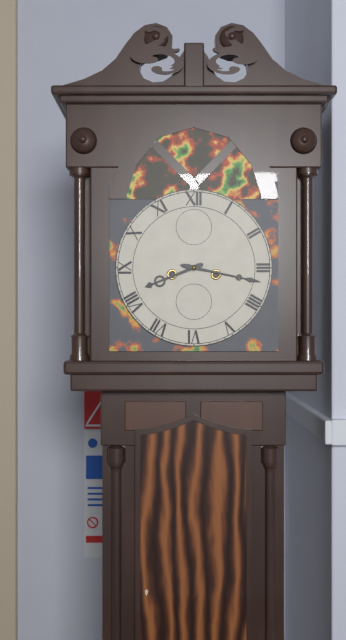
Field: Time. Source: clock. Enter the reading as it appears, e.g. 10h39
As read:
8h17
